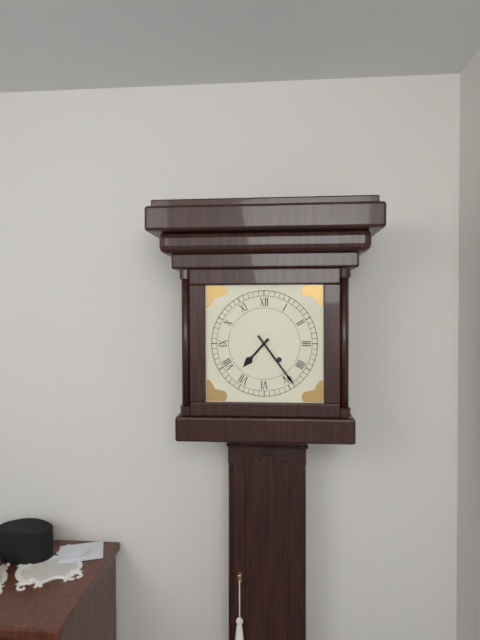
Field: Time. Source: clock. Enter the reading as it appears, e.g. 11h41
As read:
7h24
